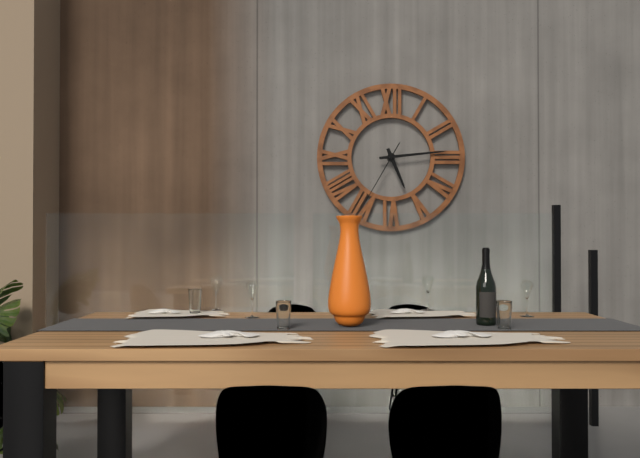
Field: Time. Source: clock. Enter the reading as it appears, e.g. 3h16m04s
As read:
5h14m35s
